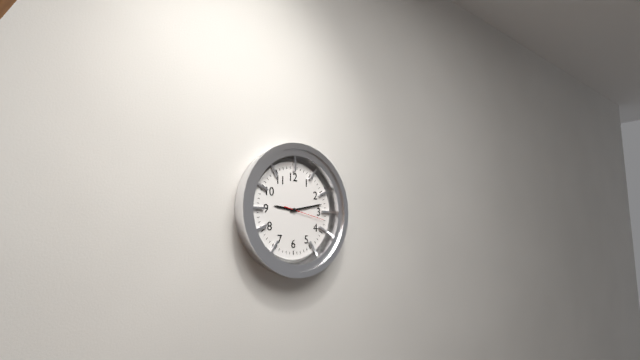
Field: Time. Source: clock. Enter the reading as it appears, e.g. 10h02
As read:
9h13
